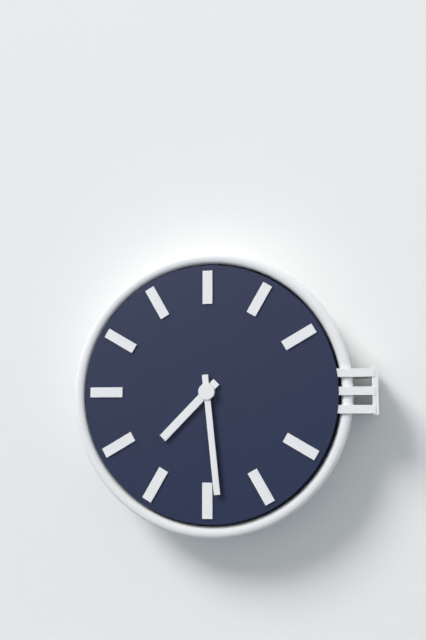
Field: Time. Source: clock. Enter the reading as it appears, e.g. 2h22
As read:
7h29
